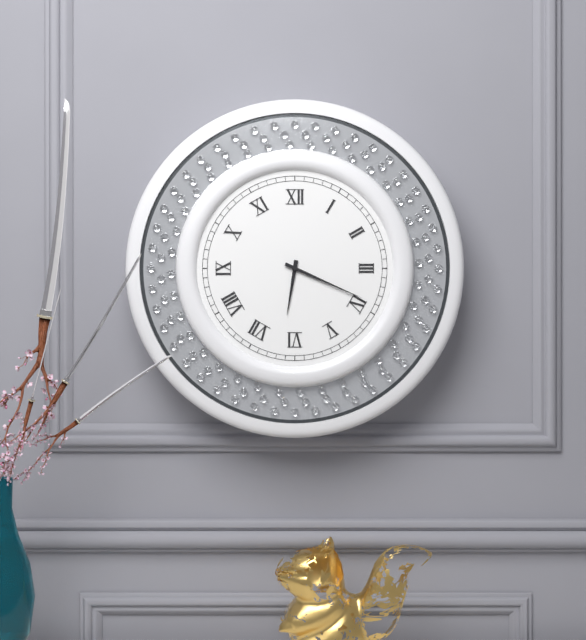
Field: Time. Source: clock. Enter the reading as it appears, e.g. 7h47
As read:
6h19
